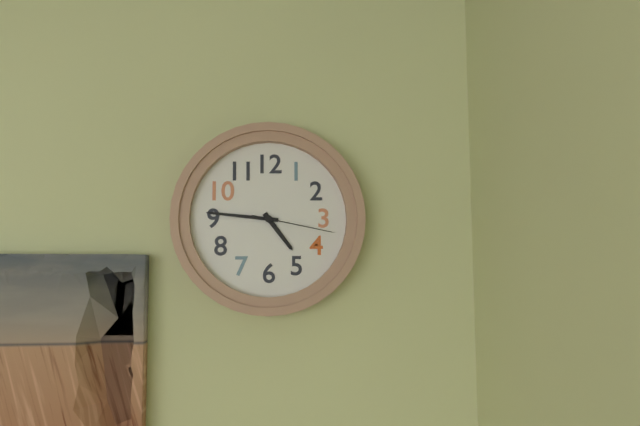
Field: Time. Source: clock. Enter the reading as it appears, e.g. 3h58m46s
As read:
4h46m17s
